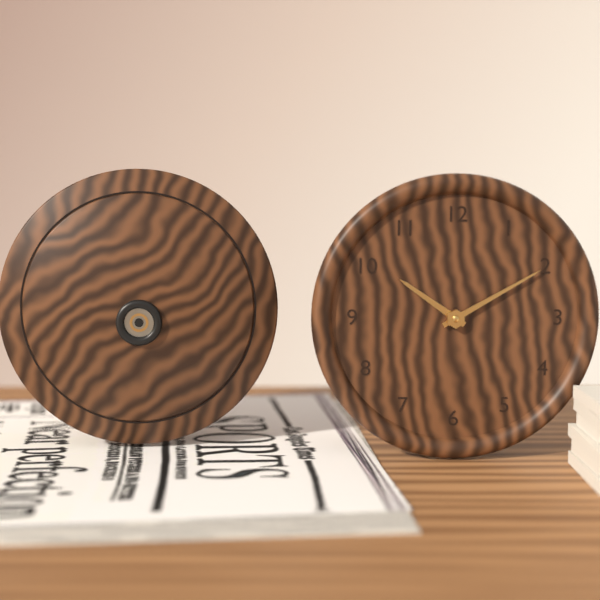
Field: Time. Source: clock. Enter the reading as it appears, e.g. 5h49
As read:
10h10
